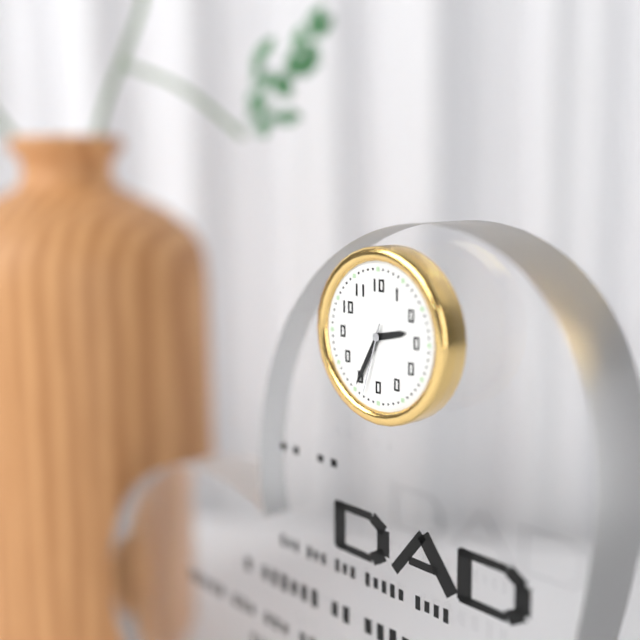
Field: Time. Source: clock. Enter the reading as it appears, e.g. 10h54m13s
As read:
2h35m33s
